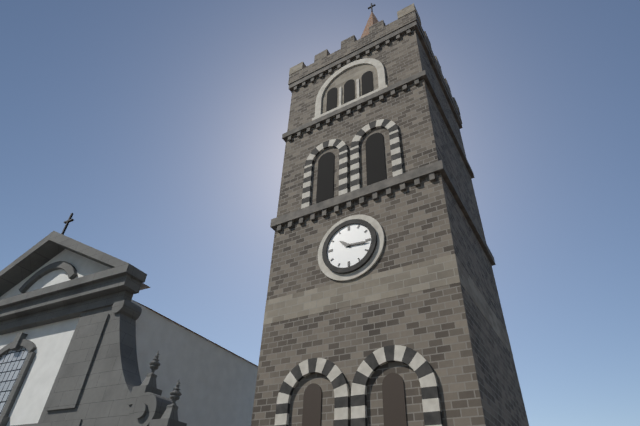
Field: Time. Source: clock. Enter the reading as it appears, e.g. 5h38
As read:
10h16
